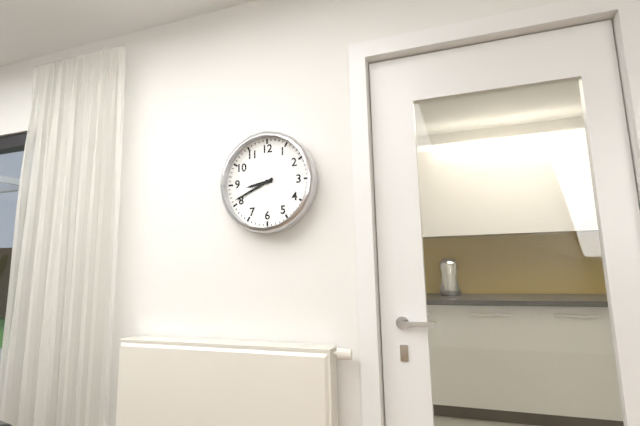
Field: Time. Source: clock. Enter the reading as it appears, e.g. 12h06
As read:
8h41
